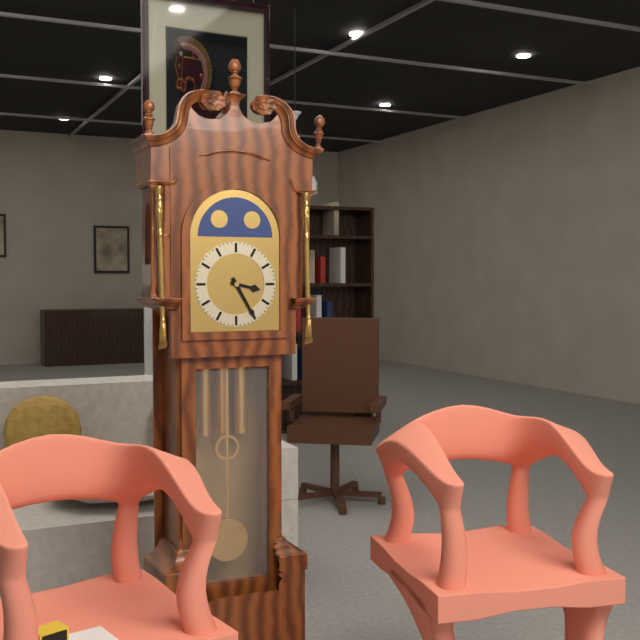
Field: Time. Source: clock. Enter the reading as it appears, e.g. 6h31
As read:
3h25
